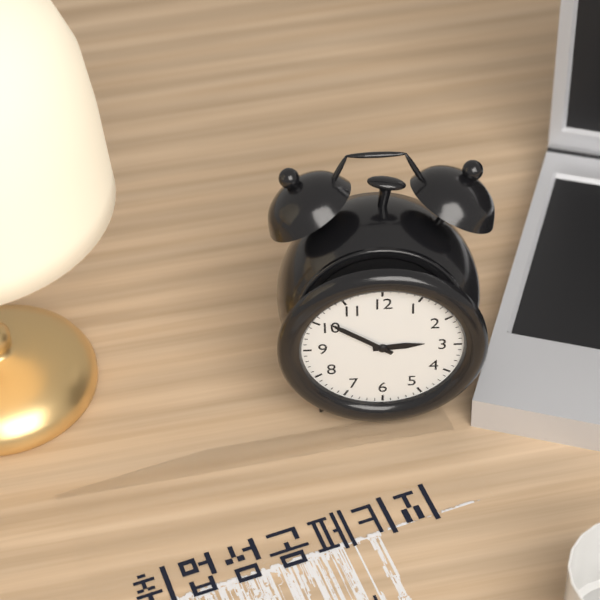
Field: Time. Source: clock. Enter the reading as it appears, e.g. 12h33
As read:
2h51
